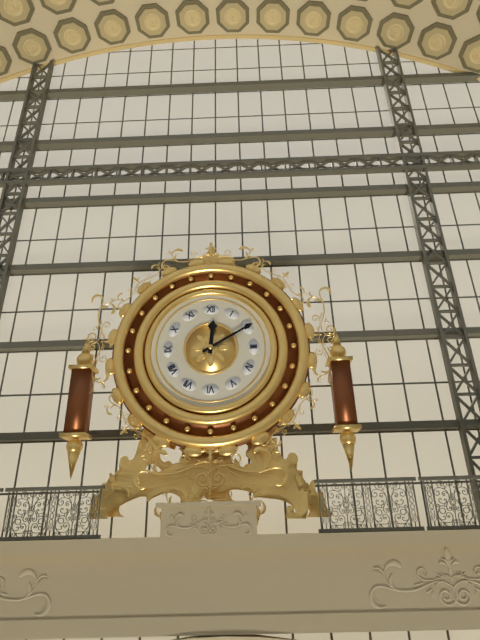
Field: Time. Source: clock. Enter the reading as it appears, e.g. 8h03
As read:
12h10
